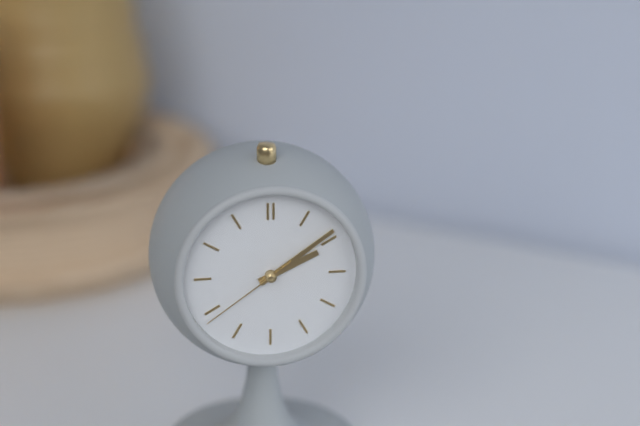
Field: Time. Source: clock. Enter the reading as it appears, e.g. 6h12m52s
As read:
2h09m39s
